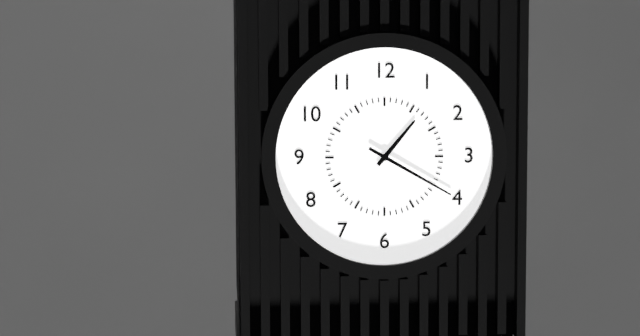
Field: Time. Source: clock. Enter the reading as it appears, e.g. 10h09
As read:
1h20
